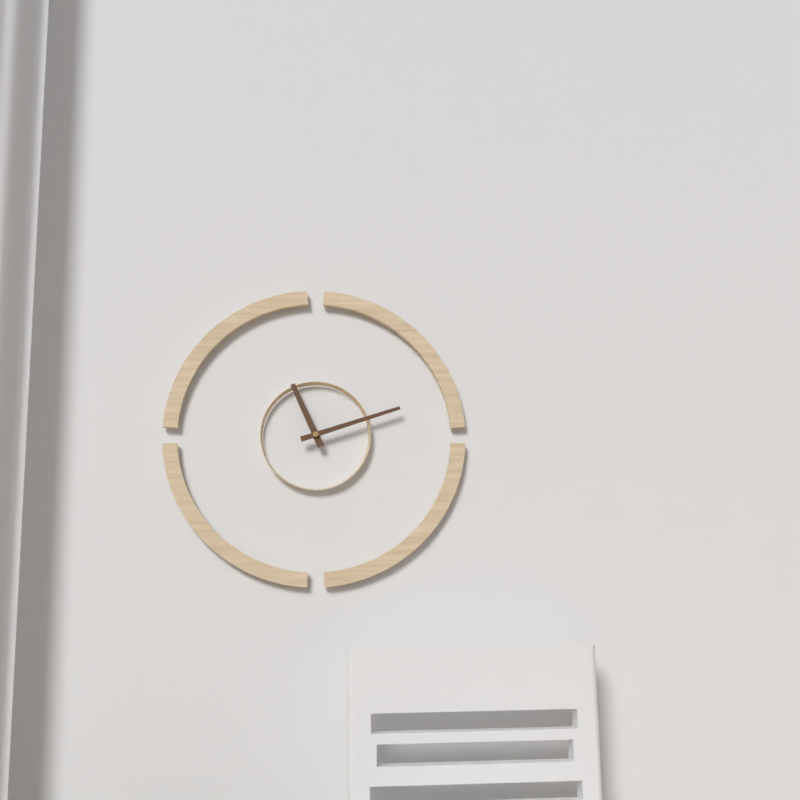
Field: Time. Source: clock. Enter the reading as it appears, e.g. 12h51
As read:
11h12
